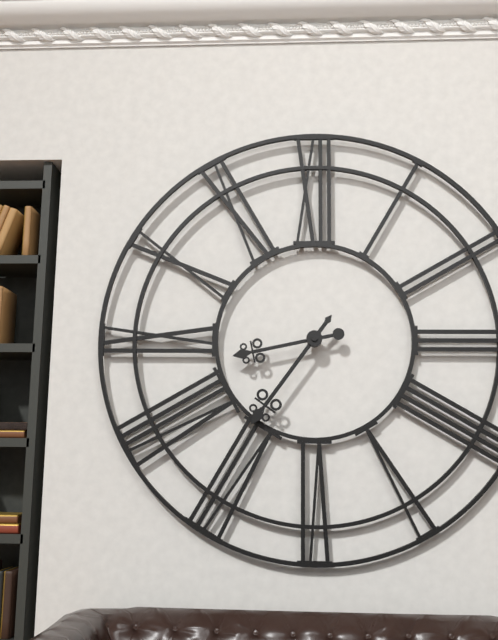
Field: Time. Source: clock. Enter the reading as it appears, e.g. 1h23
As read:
8h36
